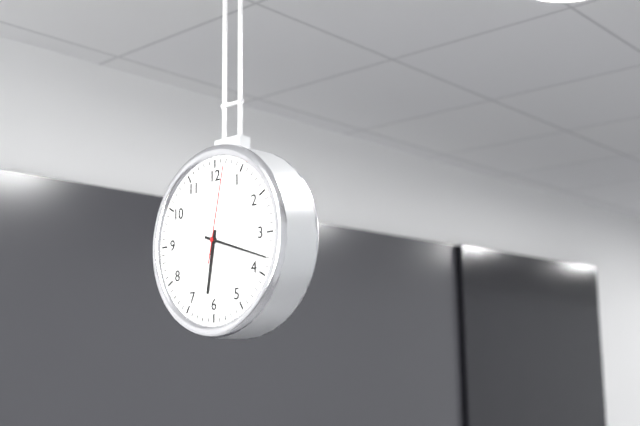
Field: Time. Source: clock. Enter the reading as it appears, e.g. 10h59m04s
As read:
6h18m02s
